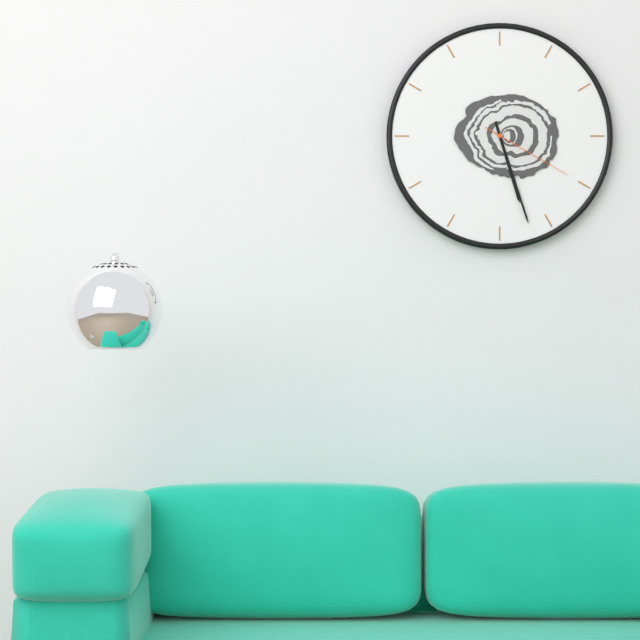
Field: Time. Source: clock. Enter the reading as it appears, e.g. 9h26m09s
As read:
5h27m20s
